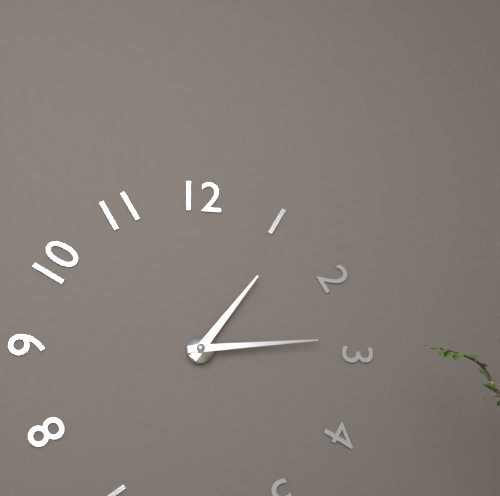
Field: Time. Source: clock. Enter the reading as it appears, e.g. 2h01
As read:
1h14
